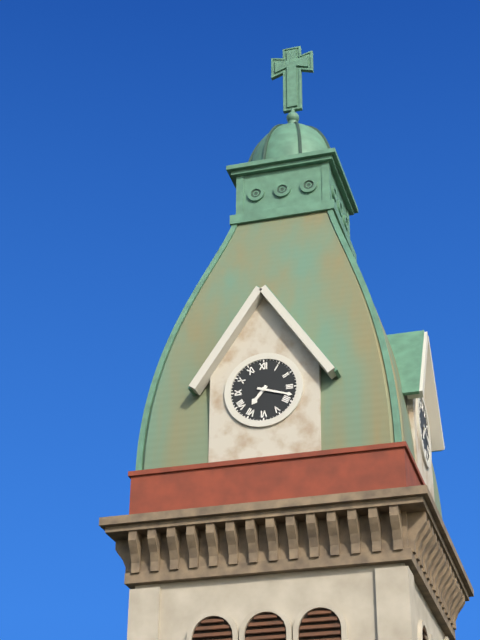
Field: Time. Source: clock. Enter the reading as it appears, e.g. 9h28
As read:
7h18
